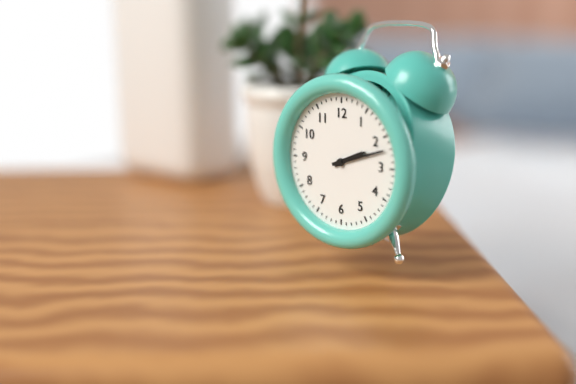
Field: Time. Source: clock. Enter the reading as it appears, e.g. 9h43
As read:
2h12
